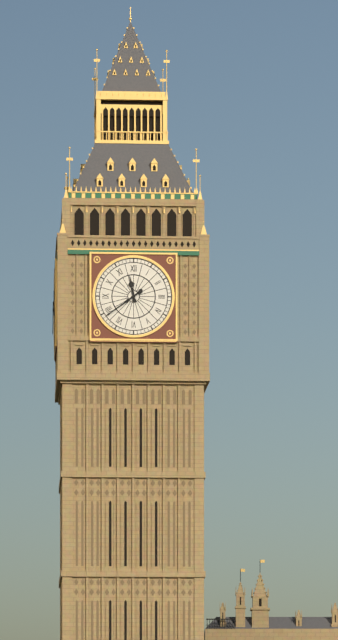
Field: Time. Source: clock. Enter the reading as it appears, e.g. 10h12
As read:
11h39
